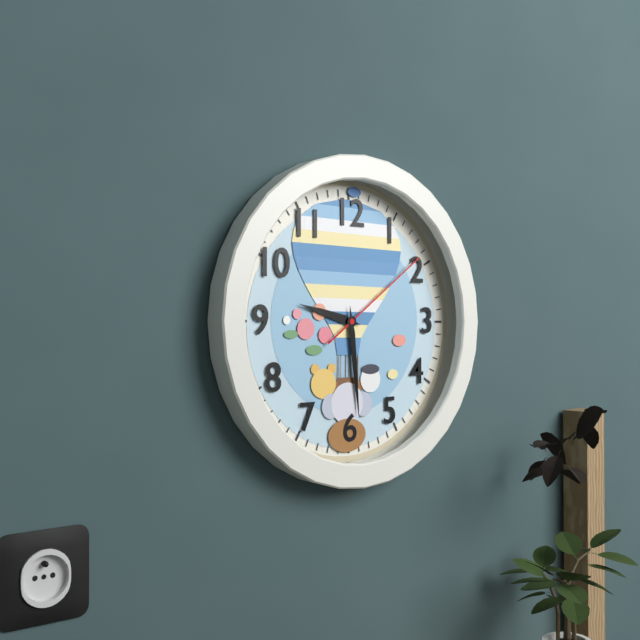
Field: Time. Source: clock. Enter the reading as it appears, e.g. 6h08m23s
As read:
9h29m09s
